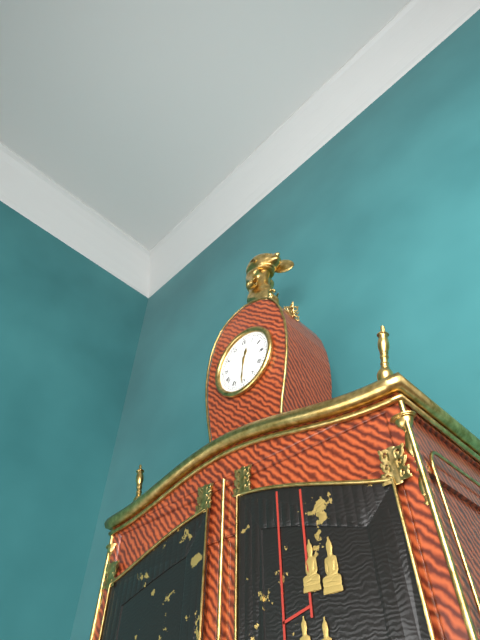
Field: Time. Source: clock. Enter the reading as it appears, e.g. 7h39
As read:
12h31
